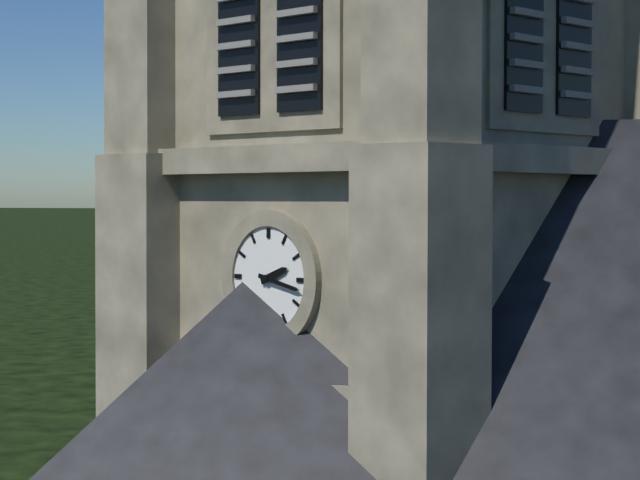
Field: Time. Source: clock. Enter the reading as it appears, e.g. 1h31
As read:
2h17
